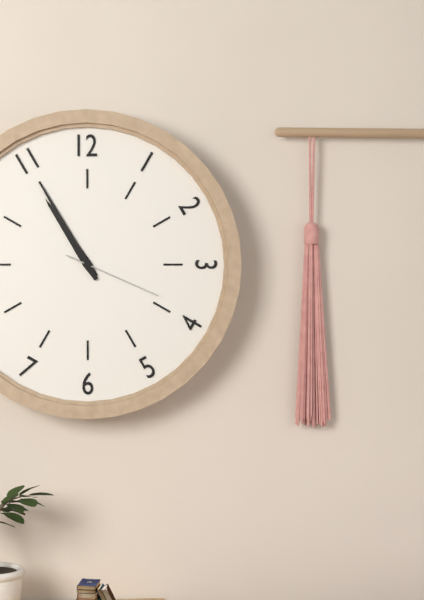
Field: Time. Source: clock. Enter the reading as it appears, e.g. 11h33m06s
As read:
10h55m19s
